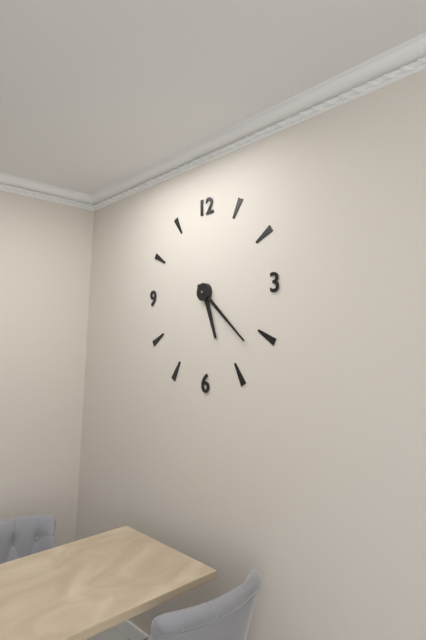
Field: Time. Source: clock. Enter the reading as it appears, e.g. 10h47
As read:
5h22
